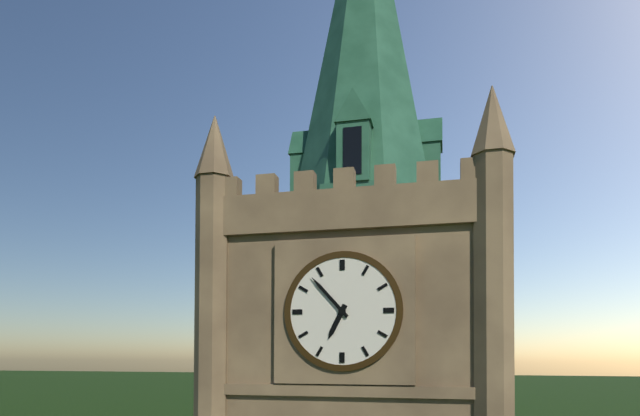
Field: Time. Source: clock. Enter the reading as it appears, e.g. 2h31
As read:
6h53
